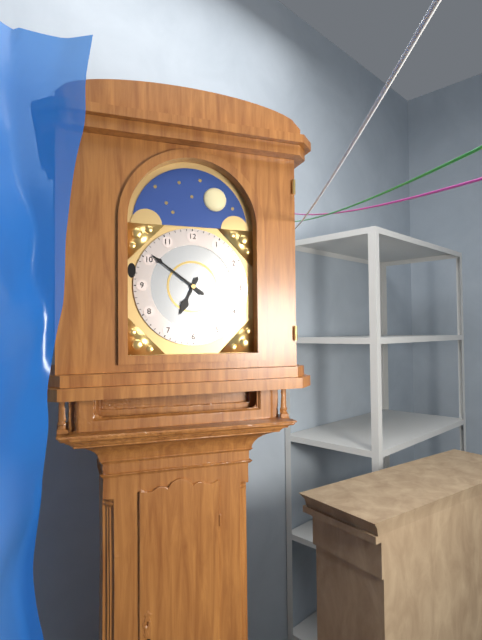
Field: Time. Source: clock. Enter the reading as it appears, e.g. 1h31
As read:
6h51
